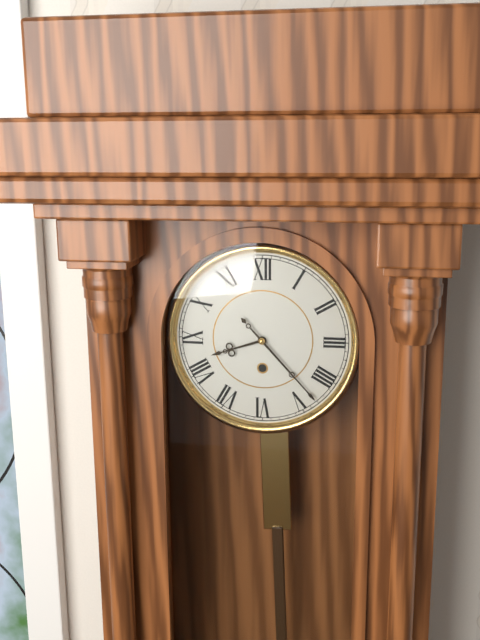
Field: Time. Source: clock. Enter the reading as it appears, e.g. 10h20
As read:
8h23
